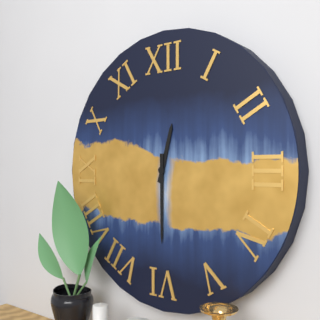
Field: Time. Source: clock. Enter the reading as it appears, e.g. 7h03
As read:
12h30
